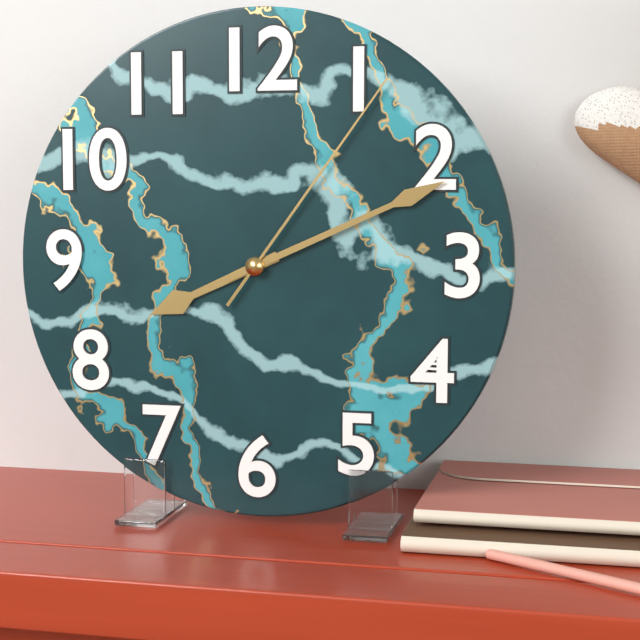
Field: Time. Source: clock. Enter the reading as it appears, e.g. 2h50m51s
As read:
8h11m06s
